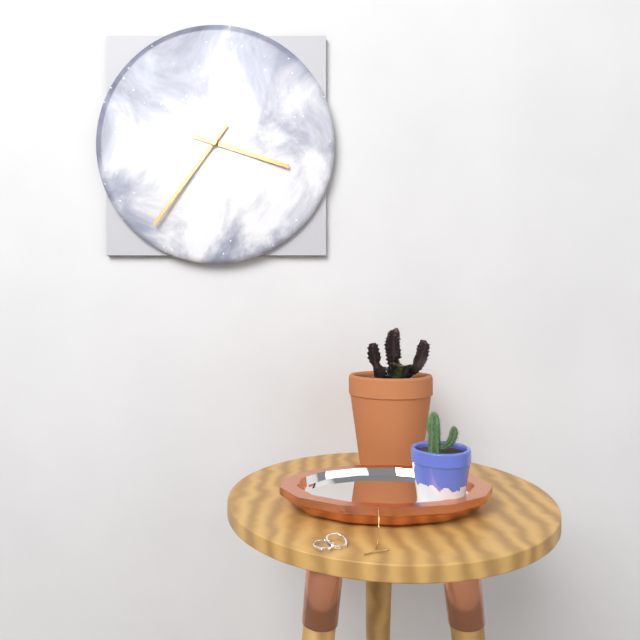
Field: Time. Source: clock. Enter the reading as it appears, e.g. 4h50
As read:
3h36
